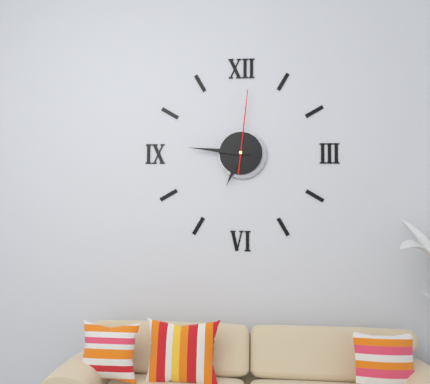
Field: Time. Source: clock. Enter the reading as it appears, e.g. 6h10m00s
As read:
6h46m01s
